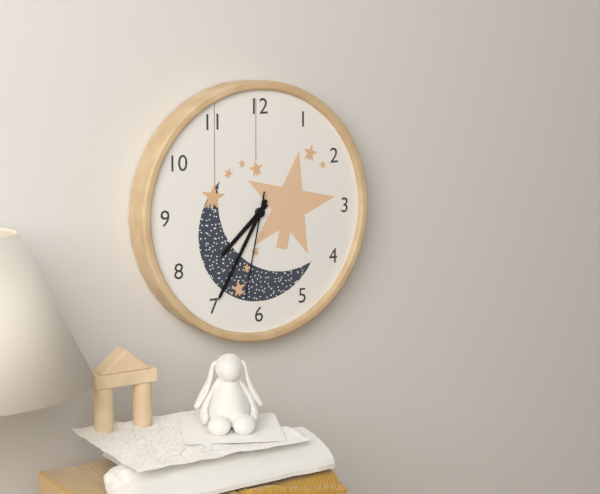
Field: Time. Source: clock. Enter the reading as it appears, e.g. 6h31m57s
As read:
7h35m32s
